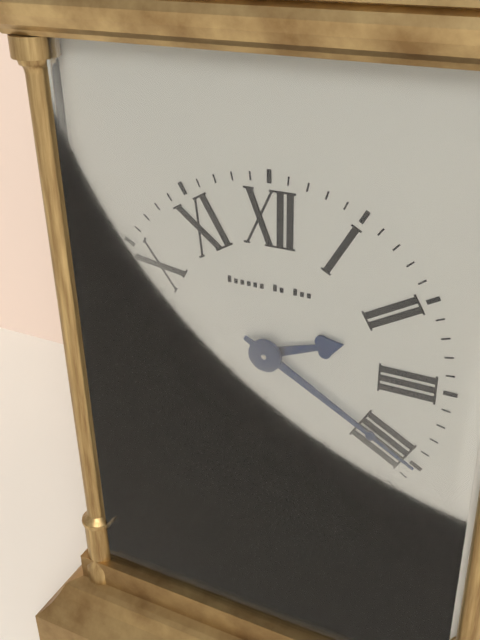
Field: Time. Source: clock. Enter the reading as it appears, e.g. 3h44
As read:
2h20
